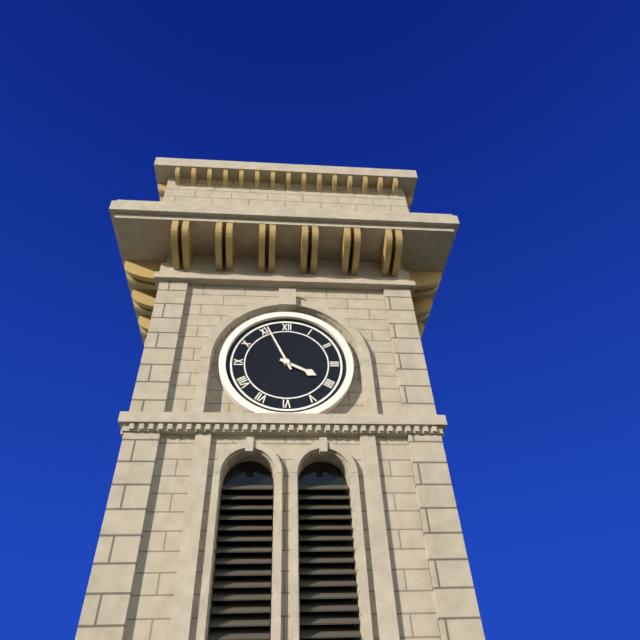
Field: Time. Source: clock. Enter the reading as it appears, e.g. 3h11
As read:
3h56
